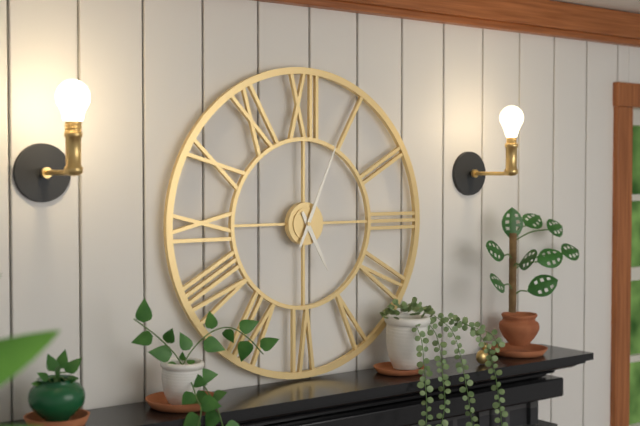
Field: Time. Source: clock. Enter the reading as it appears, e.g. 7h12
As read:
5h04
